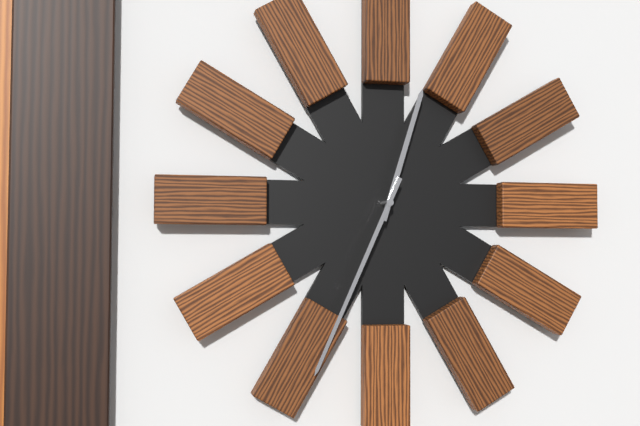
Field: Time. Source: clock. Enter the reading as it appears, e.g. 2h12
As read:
12h34
